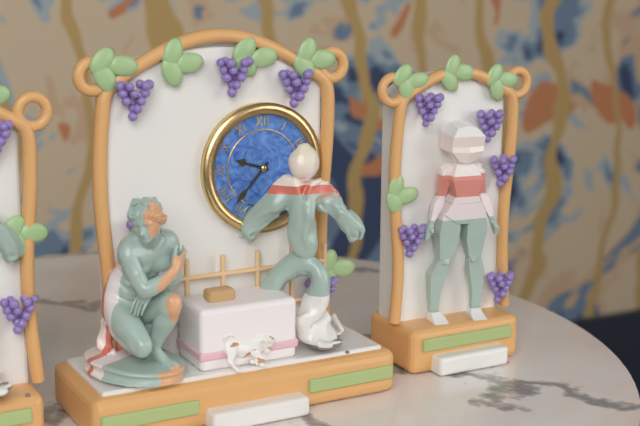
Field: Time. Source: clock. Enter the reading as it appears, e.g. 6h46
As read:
9h37
